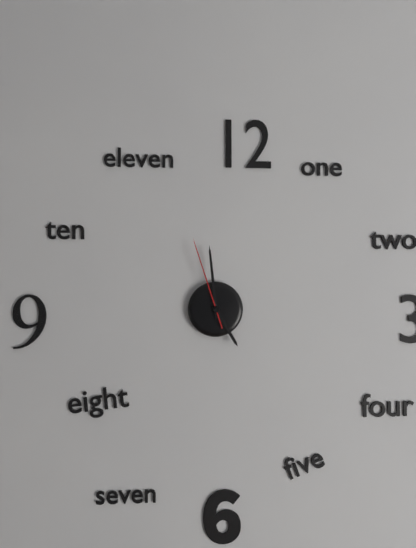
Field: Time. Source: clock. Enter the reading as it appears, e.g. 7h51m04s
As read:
4h59m57s
